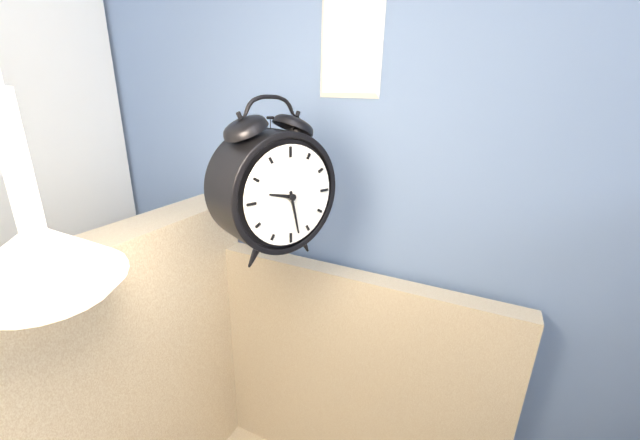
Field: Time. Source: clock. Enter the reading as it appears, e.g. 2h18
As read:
9h28
